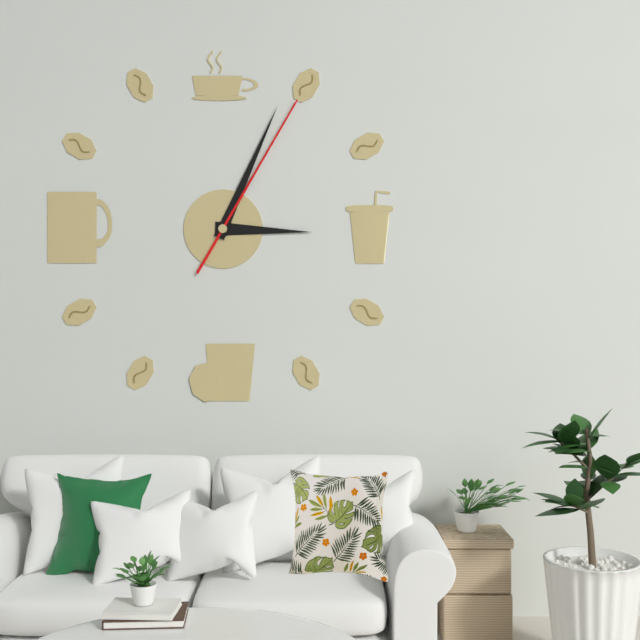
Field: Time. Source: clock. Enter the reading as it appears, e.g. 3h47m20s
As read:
3h04m05s
